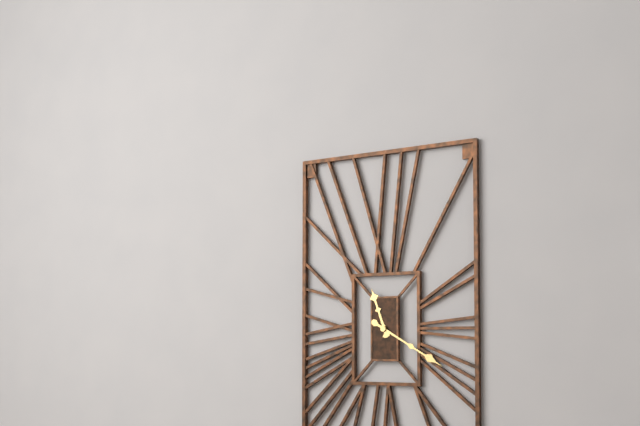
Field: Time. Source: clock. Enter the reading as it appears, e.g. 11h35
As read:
11h20
